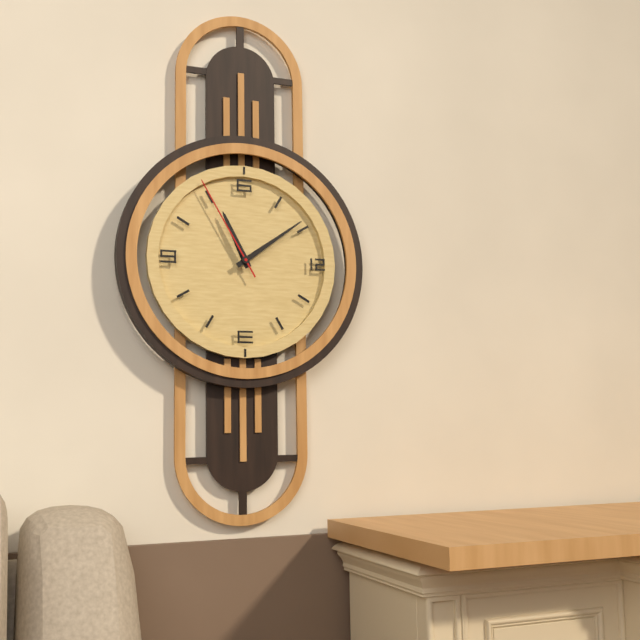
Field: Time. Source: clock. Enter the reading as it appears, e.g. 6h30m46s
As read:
11h09m55s
